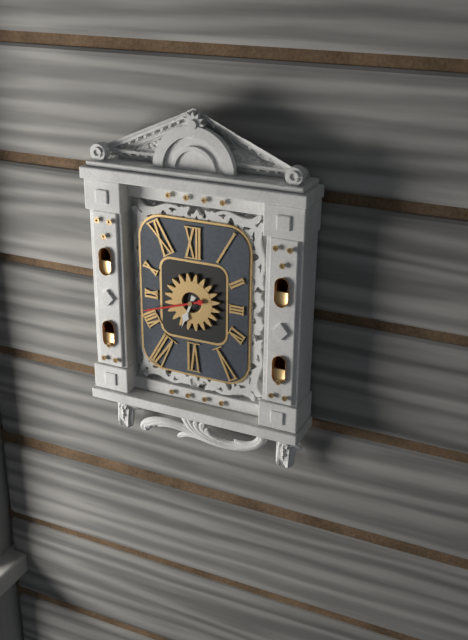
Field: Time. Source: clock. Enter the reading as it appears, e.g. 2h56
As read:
6h42
